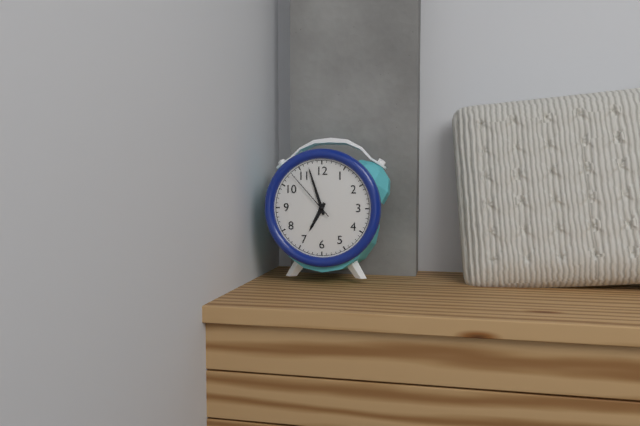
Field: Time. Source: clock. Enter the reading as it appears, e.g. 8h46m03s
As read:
6h57m53s
